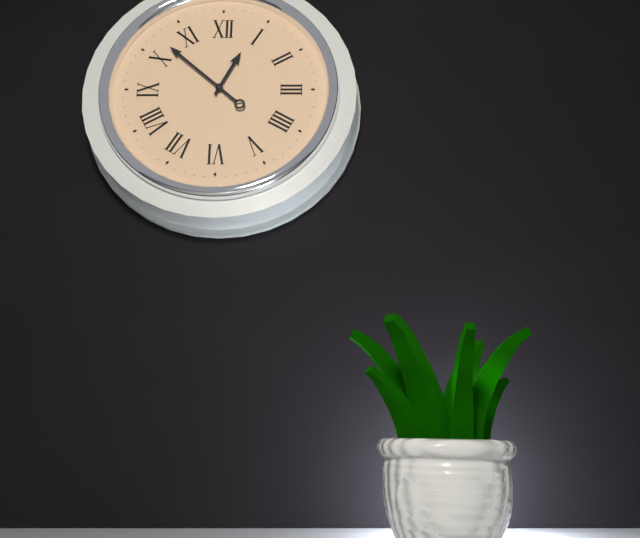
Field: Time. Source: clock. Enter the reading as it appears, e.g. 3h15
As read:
12h52
